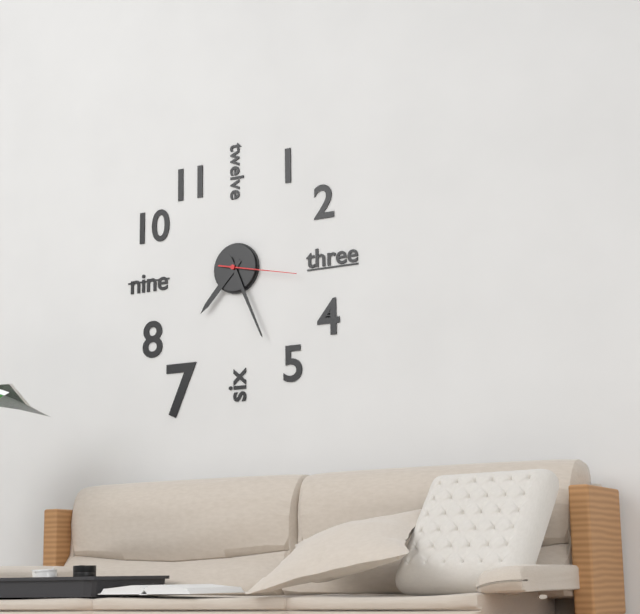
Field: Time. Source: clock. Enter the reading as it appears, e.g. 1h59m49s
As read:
7h26m17s
